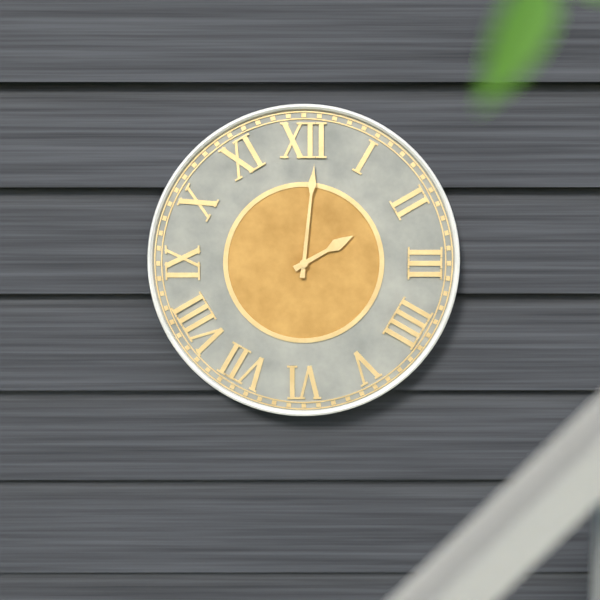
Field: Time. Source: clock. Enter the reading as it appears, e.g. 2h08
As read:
2h01
